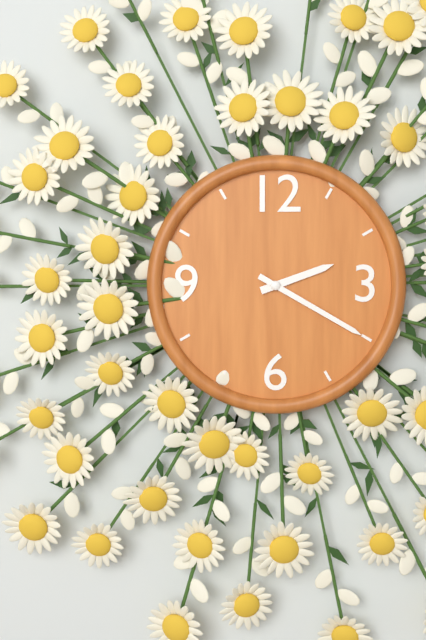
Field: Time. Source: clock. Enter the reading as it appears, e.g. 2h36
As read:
2h20
